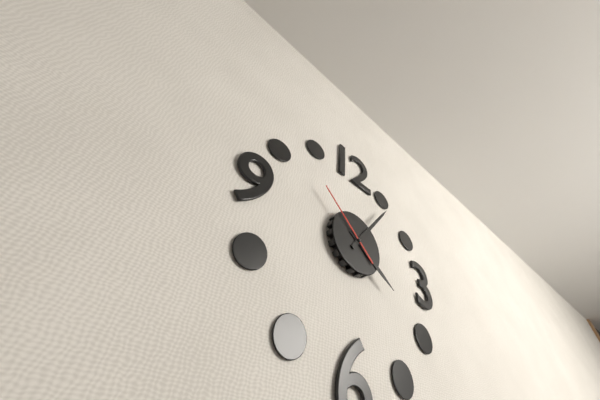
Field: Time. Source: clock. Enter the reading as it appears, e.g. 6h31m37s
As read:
4h06m52s
